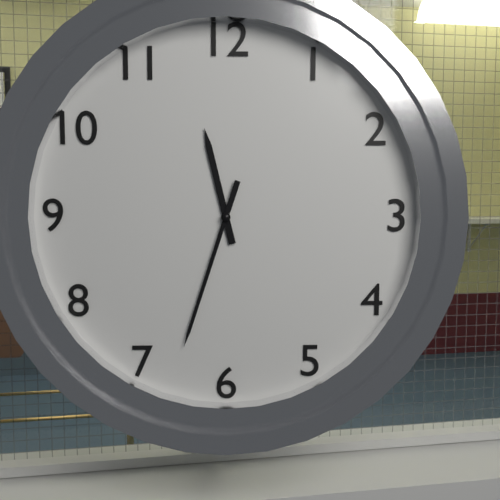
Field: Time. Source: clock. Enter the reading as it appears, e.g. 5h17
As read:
11h33
